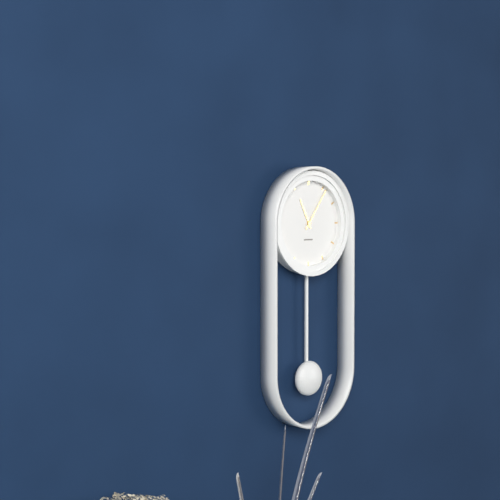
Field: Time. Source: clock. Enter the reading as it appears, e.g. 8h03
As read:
11h06
